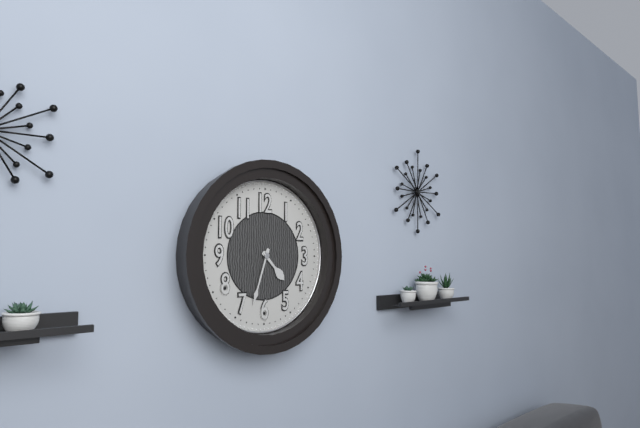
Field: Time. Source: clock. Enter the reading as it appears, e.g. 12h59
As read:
4h33
